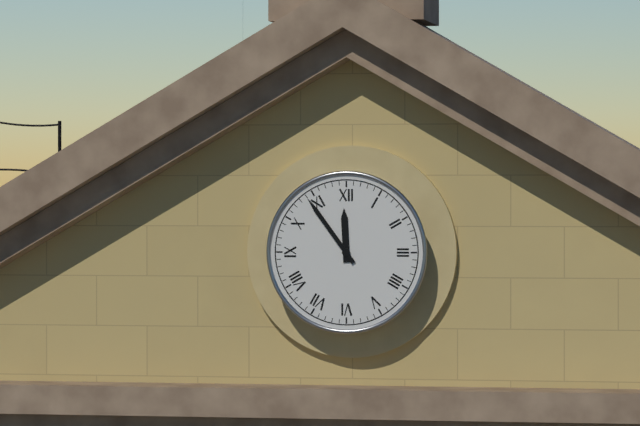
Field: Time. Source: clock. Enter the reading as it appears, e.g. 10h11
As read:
11h54
